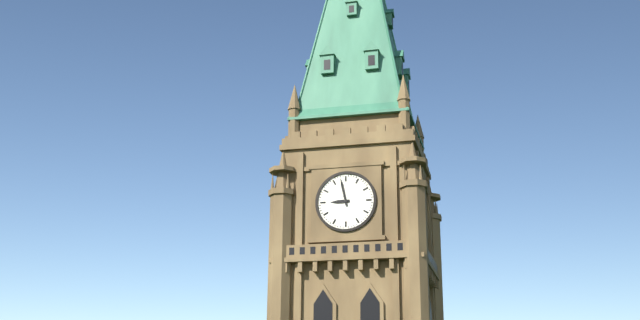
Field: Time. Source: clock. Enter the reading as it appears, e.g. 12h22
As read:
8h58
